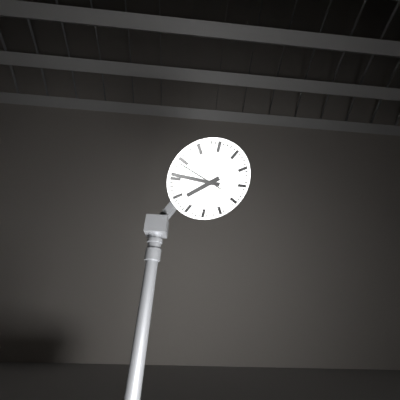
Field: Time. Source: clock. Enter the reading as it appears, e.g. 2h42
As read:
7h46
